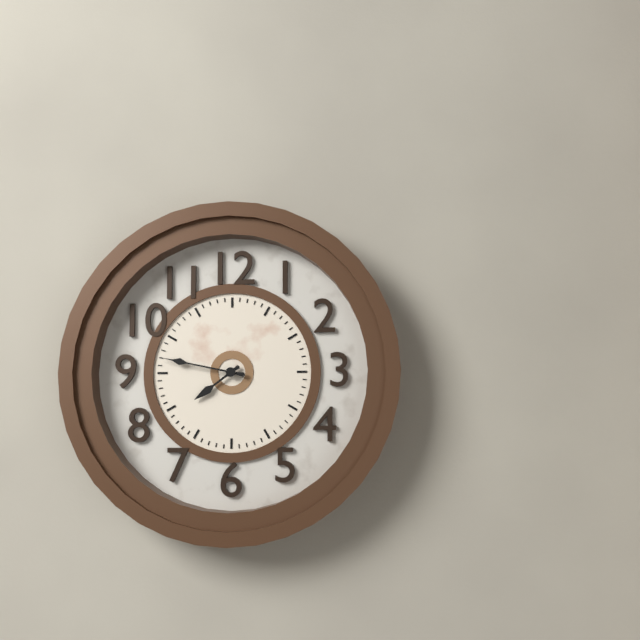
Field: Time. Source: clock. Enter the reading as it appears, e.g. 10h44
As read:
7h47
